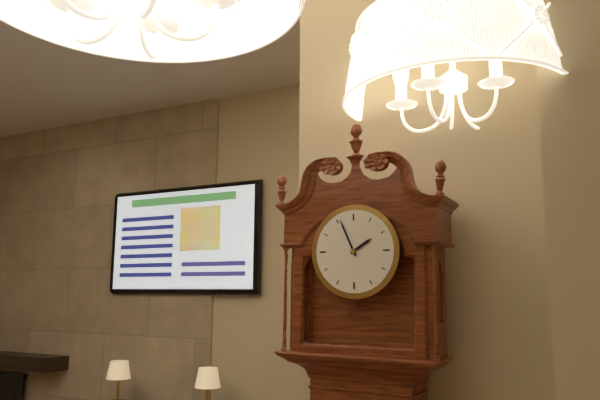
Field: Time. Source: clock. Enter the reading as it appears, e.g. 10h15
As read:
1h56
